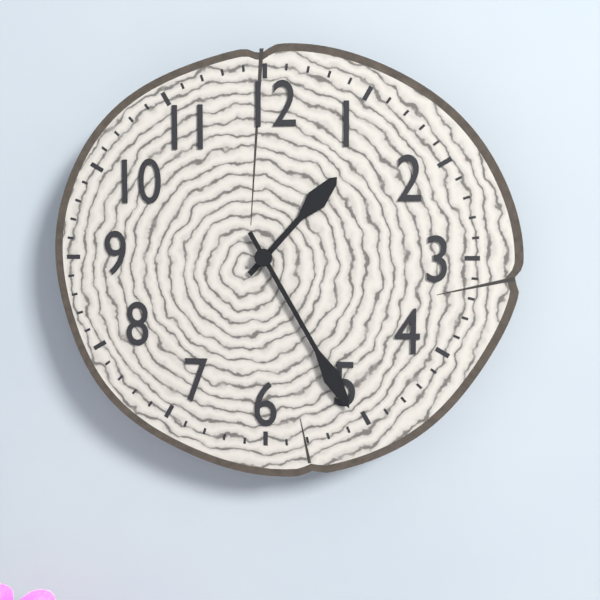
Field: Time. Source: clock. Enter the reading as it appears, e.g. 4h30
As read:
1h25
